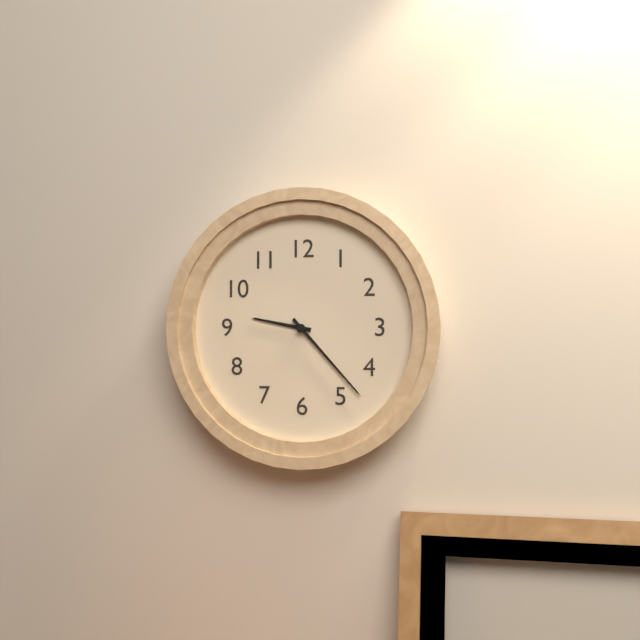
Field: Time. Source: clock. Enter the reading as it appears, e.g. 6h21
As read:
9h23
